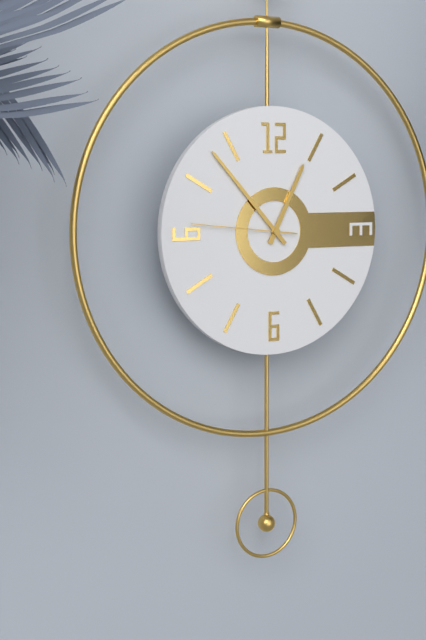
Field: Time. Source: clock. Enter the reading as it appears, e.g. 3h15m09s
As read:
12h53m46s
